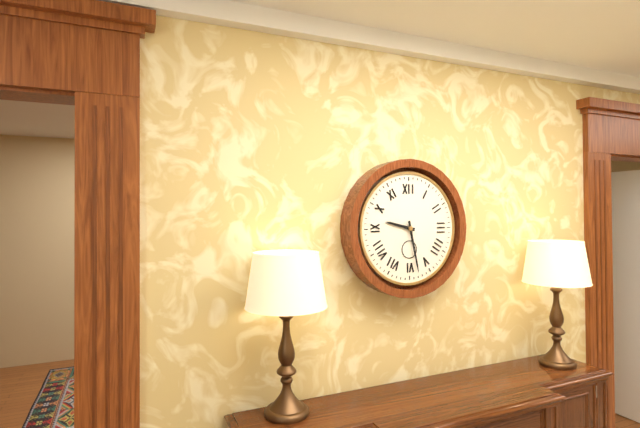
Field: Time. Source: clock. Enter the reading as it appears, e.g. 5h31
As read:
9h28
